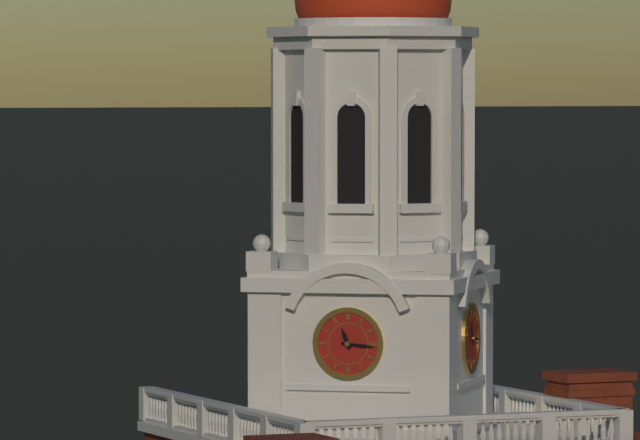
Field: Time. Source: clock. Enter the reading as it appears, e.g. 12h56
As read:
11h16
